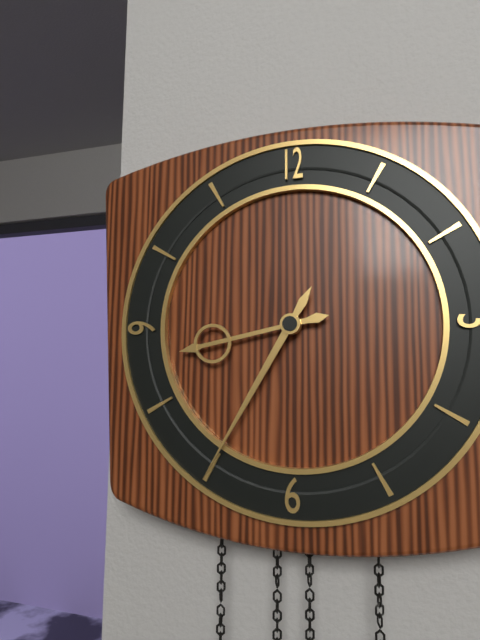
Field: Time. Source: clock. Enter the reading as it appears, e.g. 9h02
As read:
8h35
